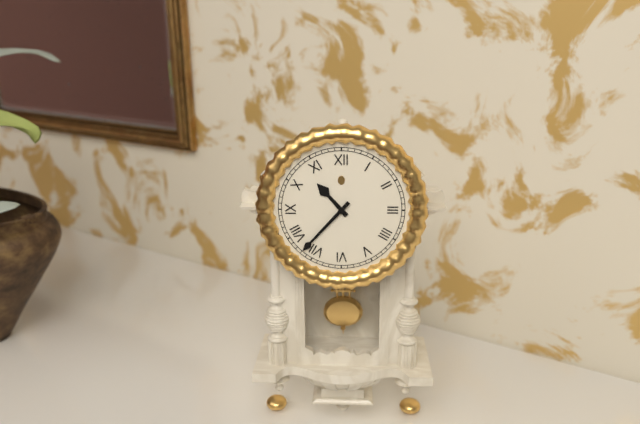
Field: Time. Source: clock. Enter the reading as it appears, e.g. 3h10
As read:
10h37
